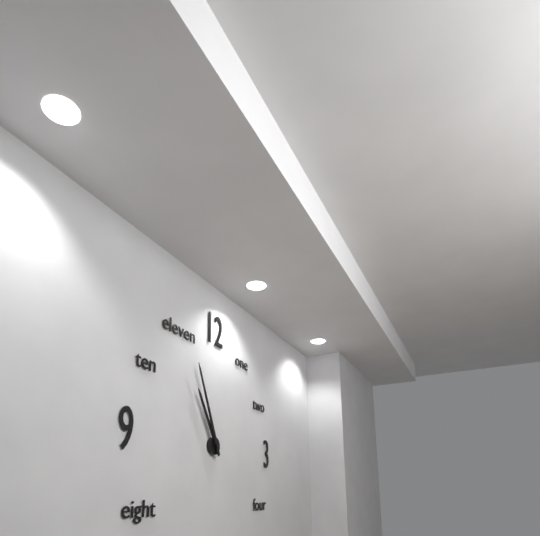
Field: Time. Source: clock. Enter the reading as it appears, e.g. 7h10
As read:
10h56
